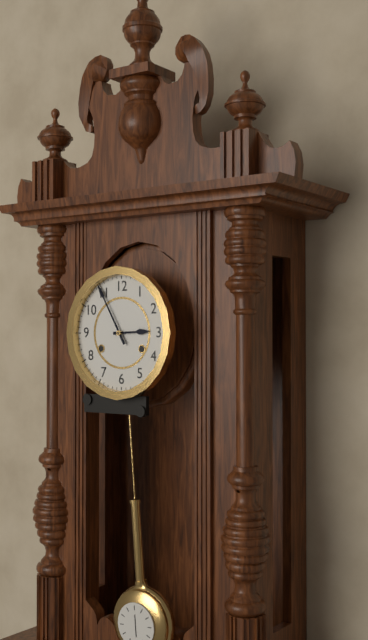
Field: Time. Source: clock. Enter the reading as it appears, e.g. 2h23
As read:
2h55
